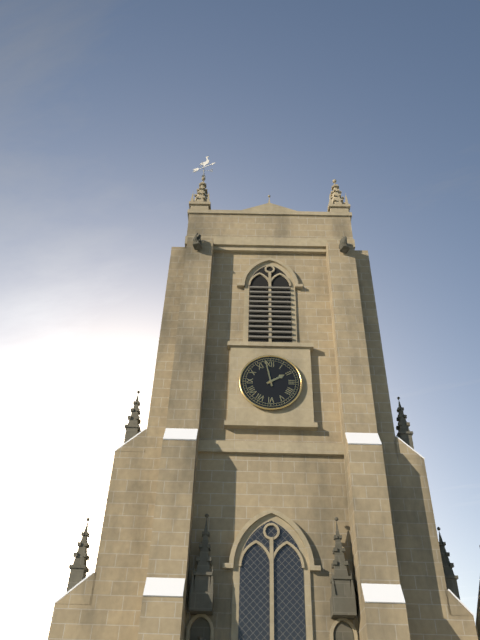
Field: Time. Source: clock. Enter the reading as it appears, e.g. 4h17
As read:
1h58
